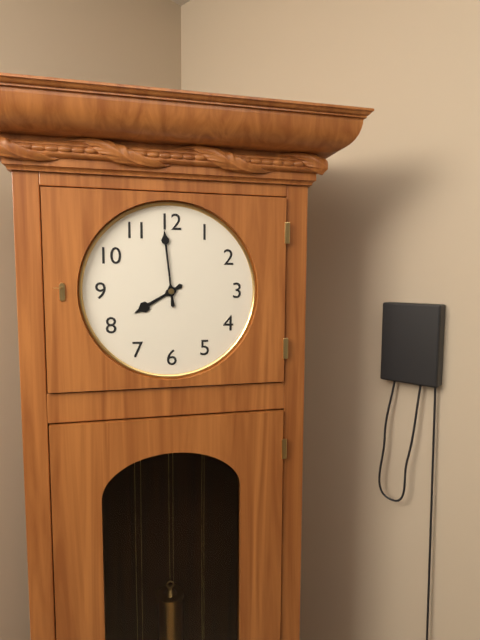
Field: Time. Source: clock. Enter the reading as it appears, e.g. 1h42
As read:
7h59
